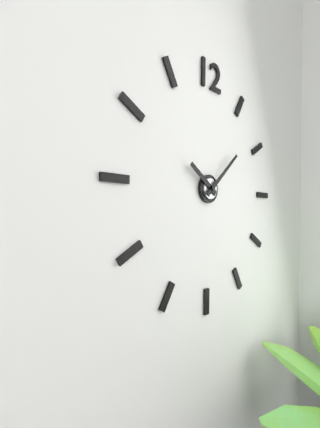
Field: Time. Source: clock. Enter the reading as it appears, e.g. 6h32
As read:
10h08
